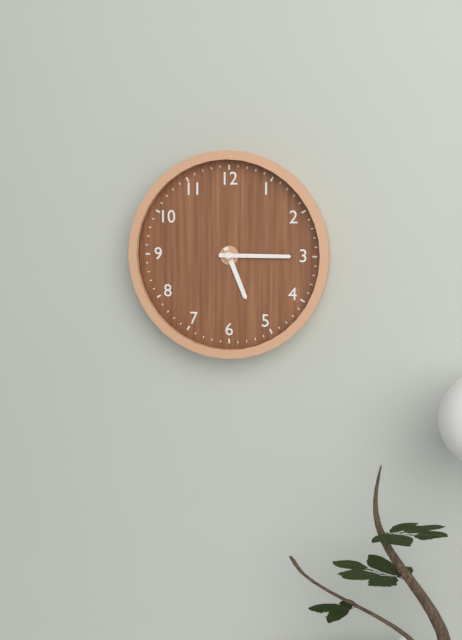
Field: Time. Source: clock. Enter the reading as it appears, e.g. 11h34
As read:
5h15
